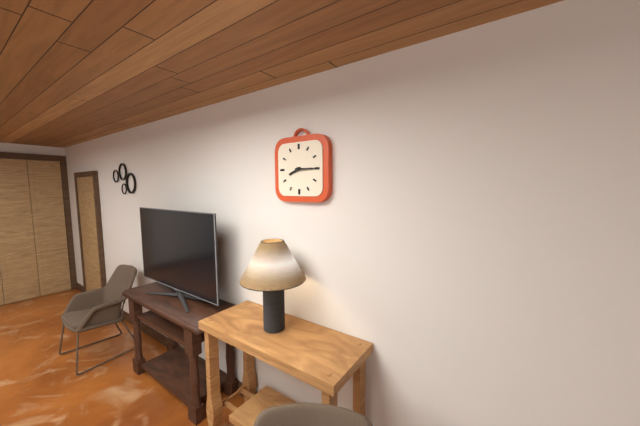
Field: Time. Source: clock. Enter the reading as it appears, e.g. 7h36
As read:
8h15
